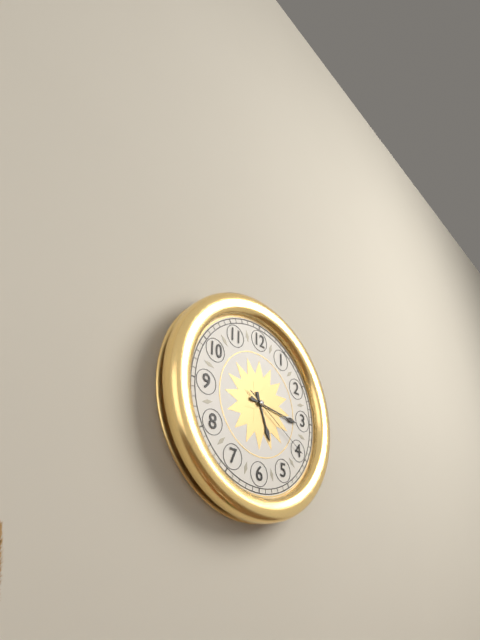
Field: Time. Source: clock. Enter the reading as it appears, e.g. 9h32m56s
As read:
5h16m20s
